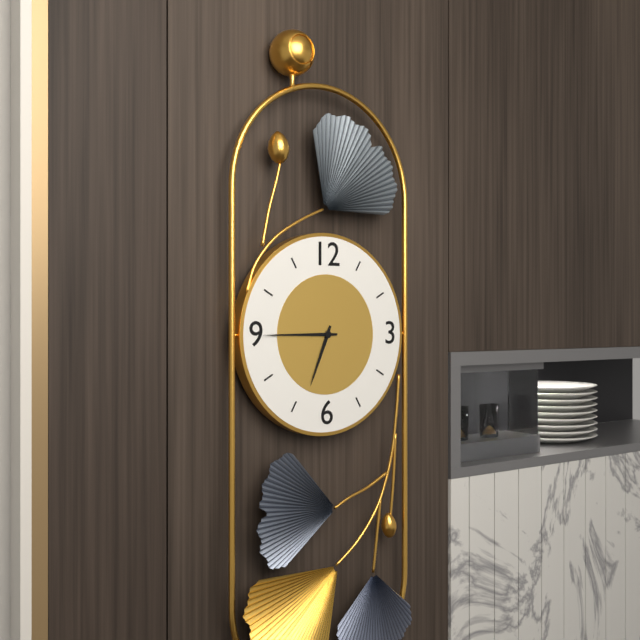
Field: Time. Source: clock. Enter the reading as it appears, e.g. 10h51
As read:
6h45
